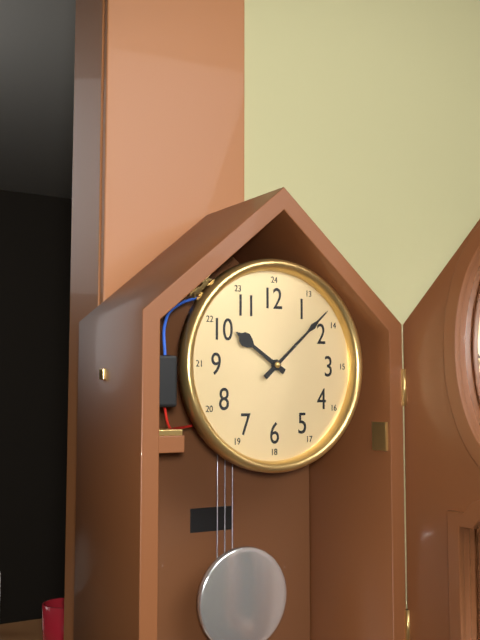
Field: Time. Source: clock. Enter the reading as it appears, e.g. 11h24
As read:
10h08
